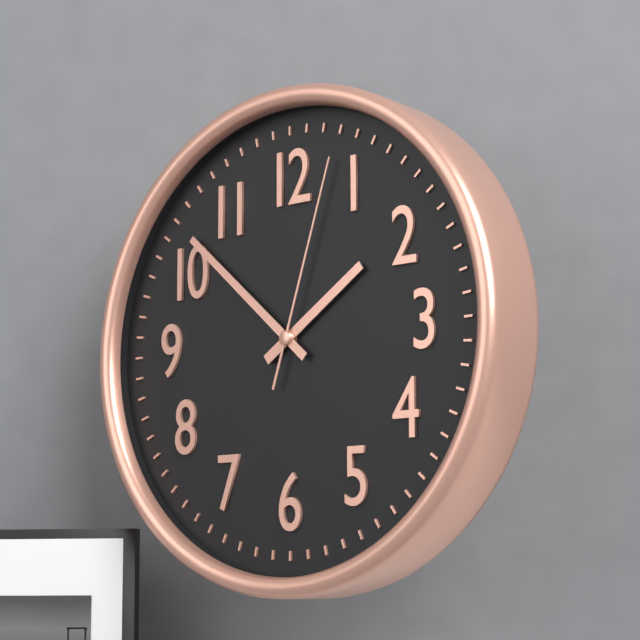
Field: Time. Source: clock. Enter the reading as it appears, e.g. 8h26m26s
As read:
1h52m03s
